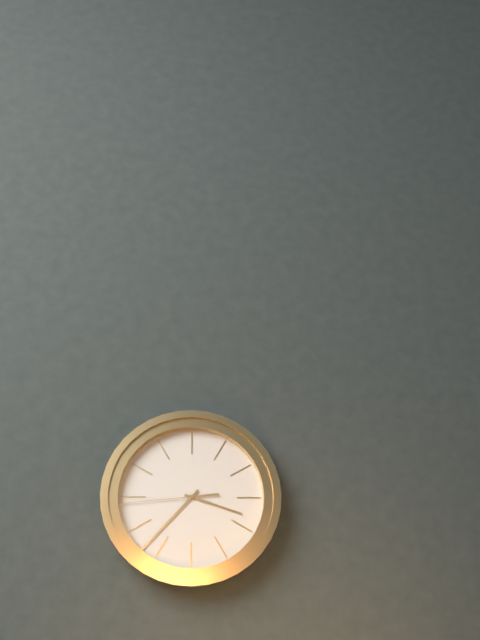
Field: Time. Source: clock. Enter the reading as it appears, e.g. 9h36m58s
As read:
3h37m44s
